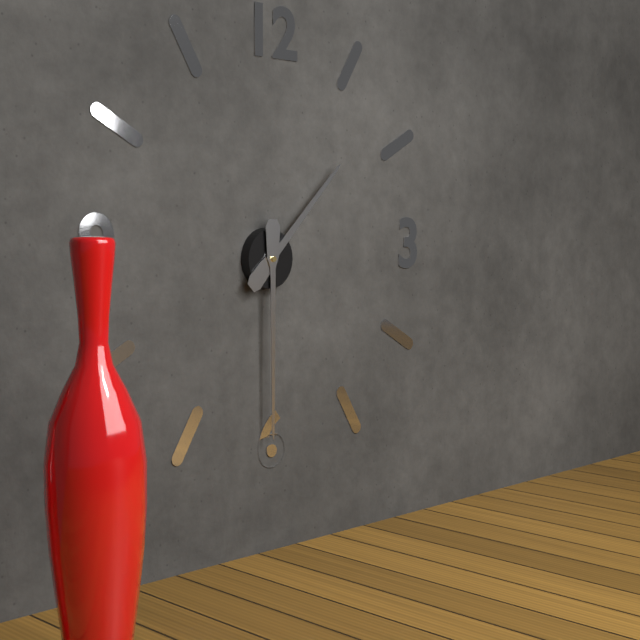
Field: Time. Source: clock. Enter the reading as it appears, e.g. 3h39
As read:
1h30
